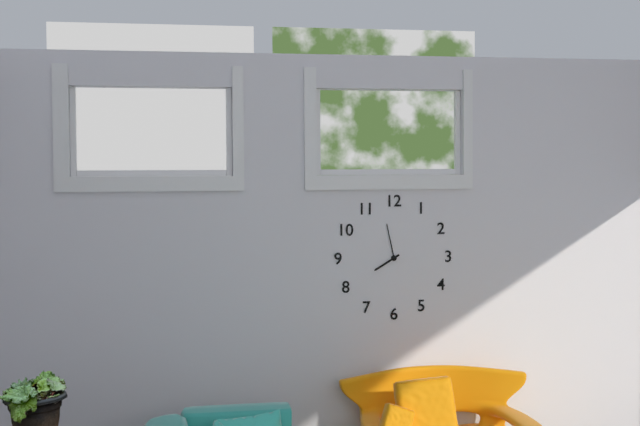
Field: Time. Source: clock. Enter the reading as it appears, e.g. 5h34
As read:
7h58
